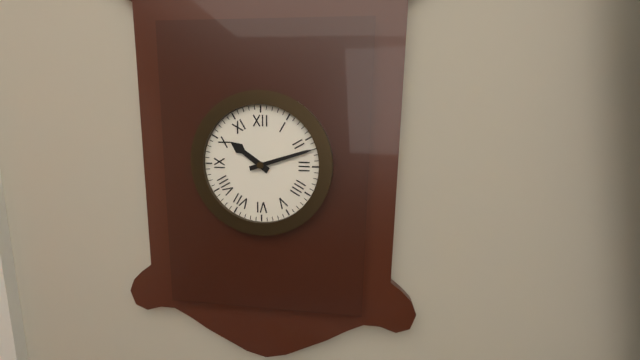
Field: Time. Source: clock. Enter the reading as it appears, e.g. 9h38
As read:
10h12
